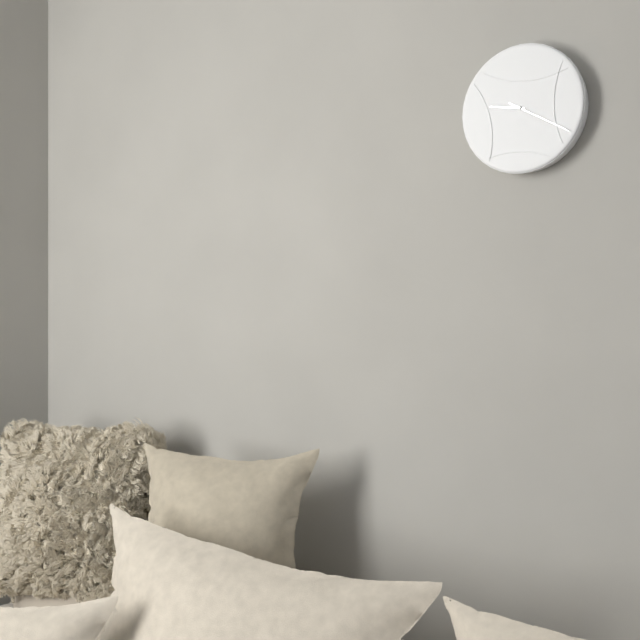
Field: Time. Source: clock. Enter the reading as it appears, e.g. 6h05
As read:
9h20
